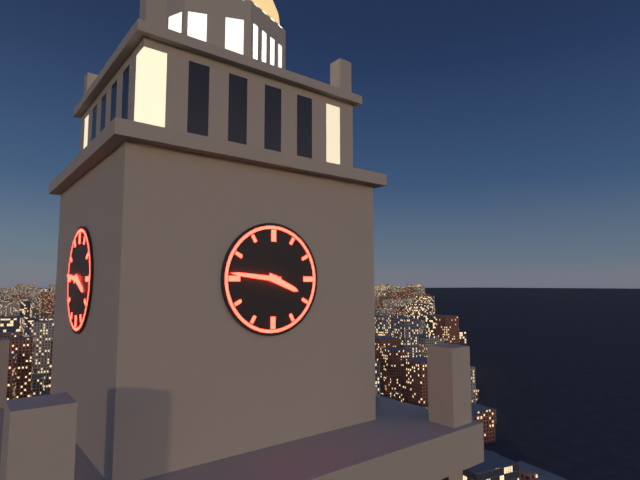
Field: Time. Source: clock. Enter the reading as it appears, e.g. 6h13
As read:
3h46
